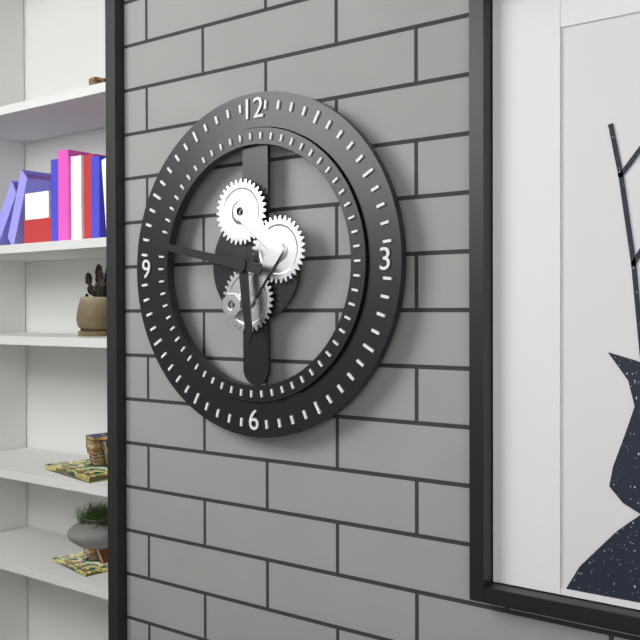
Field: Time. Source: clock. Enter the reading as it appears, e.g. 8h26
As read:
5h47
